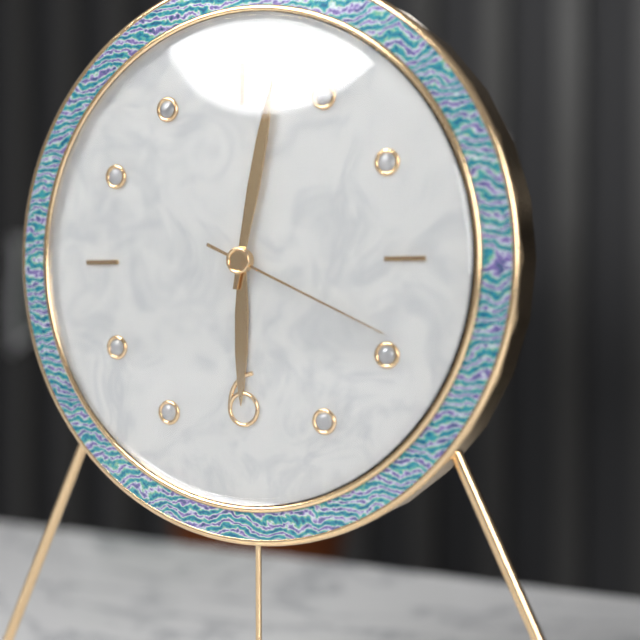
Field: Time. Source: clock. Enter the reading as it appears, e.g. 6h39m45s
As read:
6h02m19s
